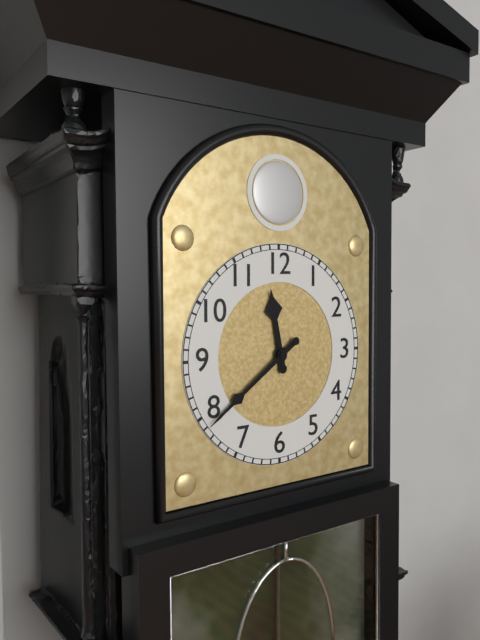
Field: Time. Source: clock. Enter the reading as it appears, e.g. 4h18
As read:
11h39
